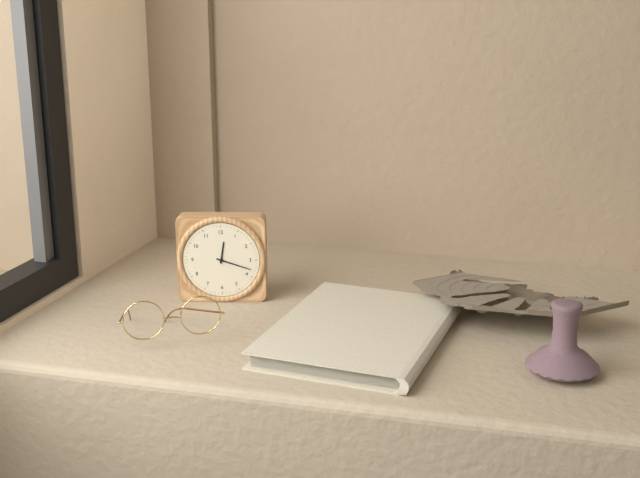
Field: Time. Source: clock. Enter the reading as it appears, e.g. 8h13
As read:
12h18
